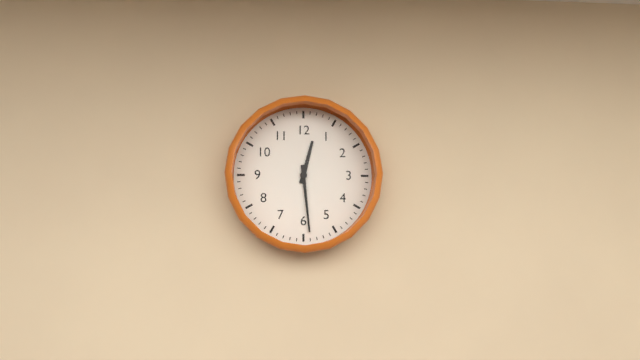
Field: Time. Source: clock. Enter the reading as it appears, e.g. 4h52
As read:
12h29
